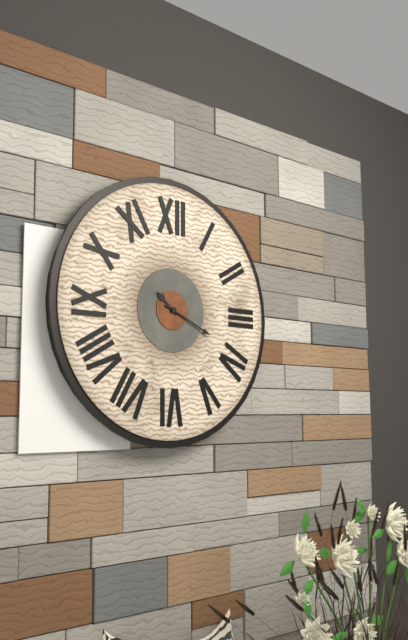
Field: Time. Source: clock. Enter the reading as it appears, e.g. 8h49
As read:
10h19
